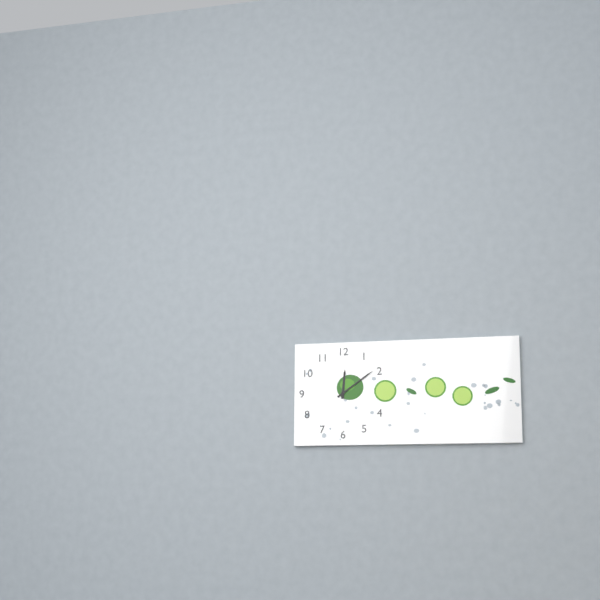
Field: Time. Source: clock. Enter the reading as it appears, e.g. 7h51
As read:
12h09
